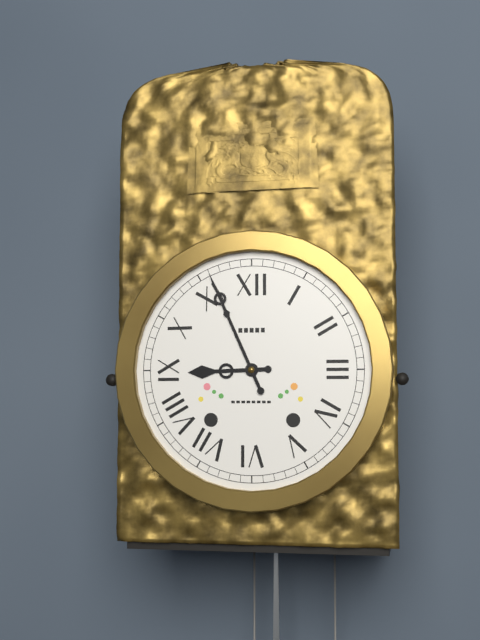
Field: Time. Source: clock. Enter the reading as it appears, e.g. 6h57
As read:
8h56
